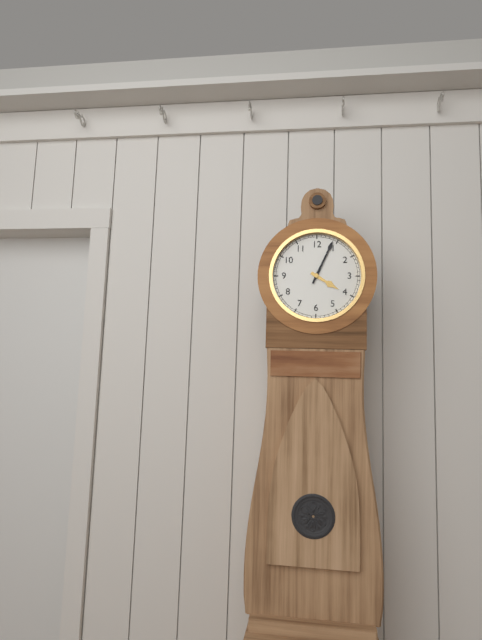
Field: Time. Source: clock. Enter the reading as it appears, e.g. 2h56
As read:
4h04
